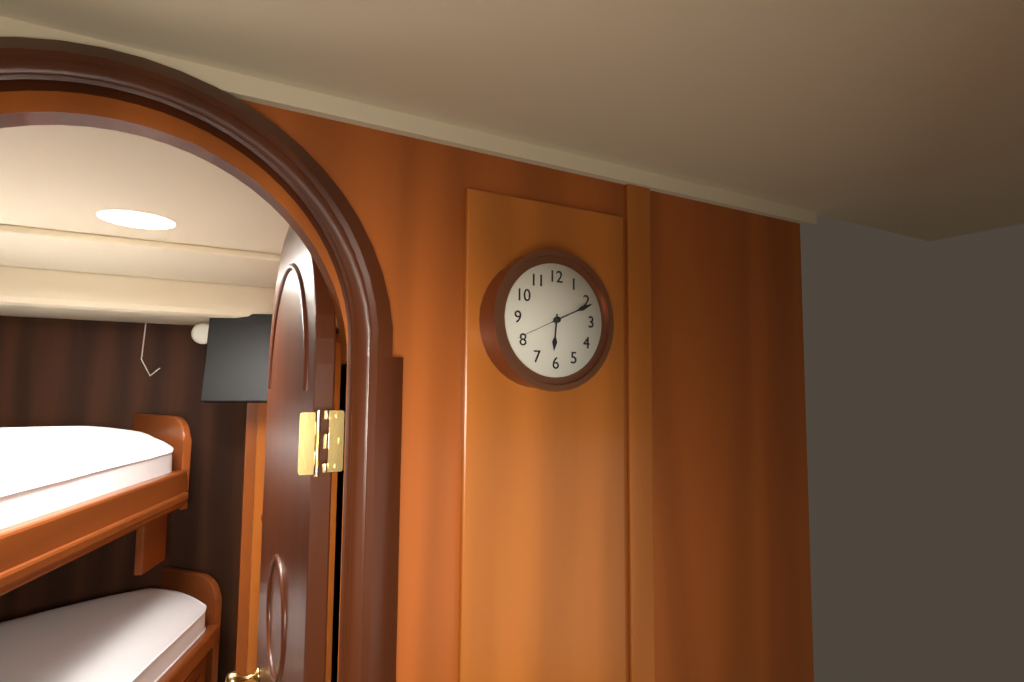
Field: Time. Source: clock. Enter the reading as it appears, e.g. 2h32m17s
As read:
6h11m41s
